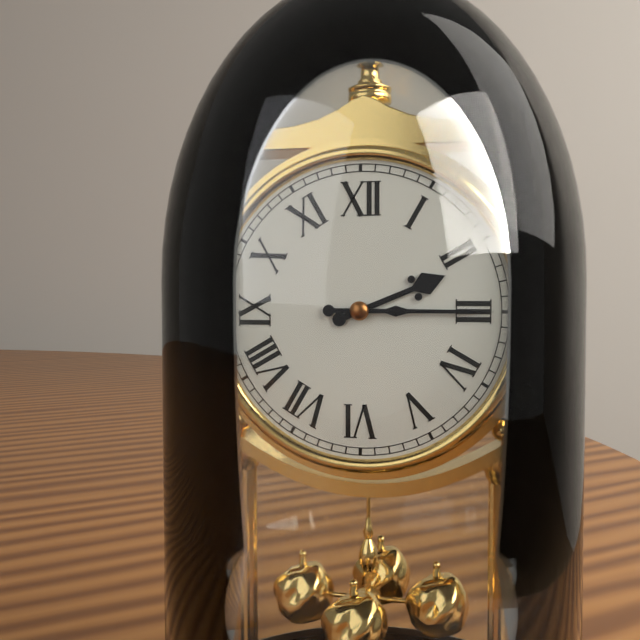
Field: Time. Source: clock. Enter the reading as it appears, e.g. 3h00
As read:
2h15
